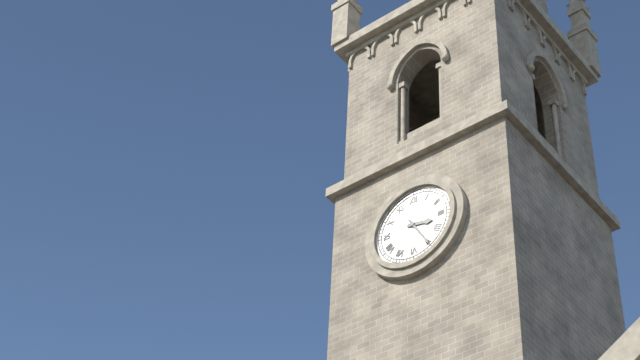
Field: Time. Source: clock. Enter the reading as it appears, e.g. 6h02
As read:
3h25
